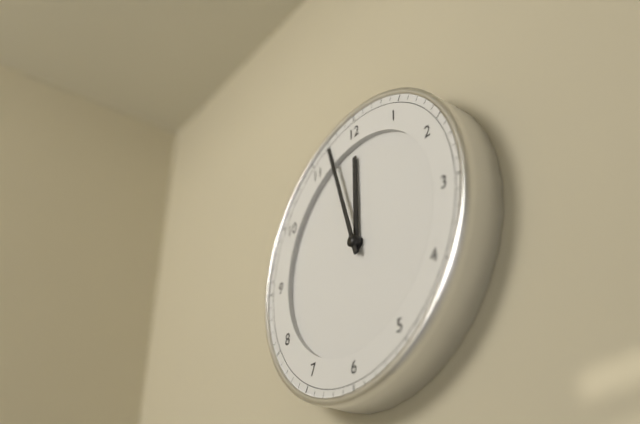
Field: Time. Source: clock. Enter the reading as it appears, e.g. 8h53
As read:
11h57
